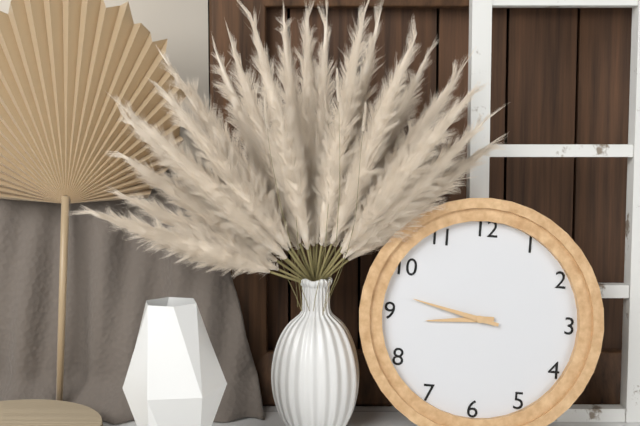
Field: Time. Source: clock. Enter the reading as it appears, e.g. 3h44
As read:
8h47
